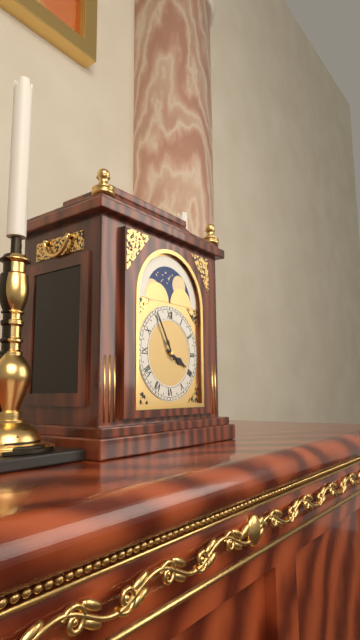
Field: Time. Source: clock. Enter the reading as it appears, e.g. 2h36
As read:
3h55
